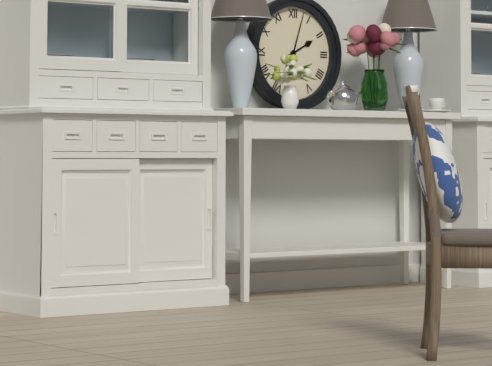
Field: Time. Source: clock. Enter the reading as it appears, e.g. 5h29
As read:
2h03
